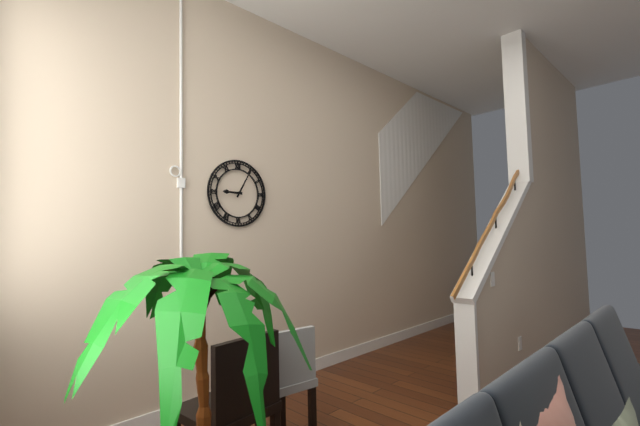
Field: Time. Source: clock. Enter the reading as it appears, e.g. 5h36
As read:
9h05
